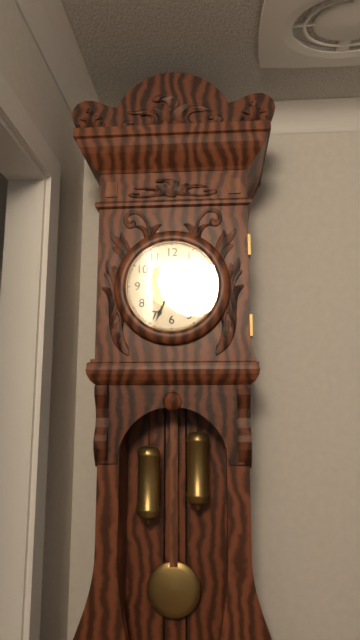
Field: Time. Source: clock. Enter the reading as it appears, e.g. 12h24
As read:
4h34
